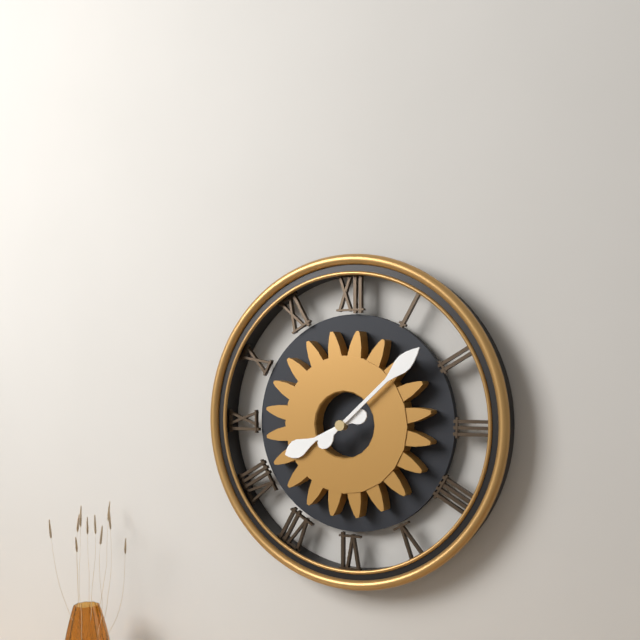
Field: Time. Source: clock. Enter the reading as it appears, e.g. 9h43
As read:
8h08
